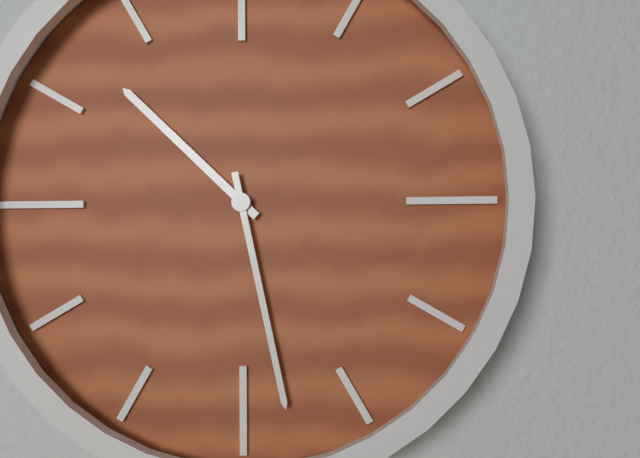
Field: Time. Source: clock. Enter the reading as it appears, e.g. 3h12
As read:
10h28
